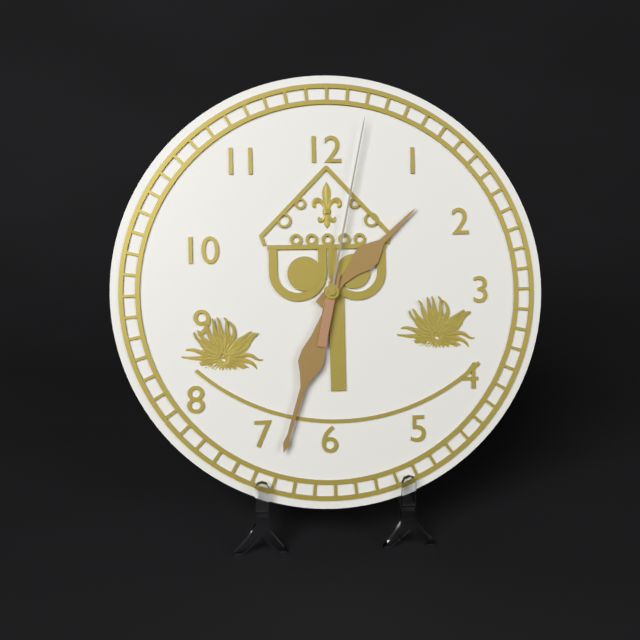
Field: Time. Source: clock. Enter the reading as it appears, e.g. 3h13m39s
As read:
1h33m02s
